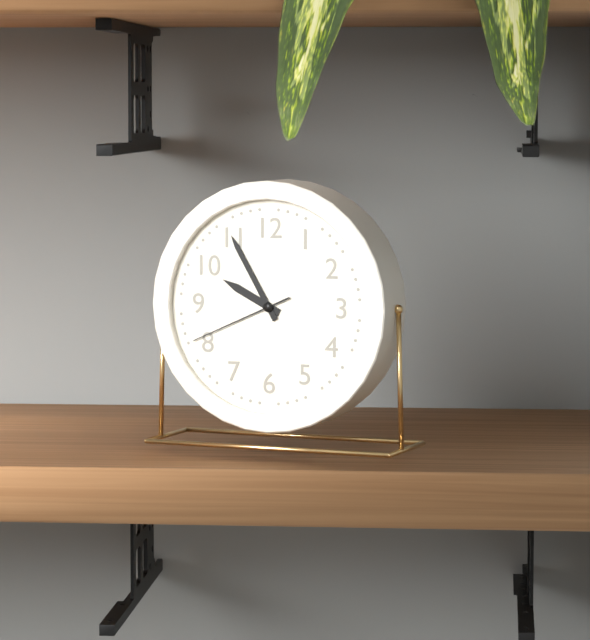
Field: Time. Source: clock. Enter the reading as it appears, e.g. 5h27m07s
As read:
9h55m41s
